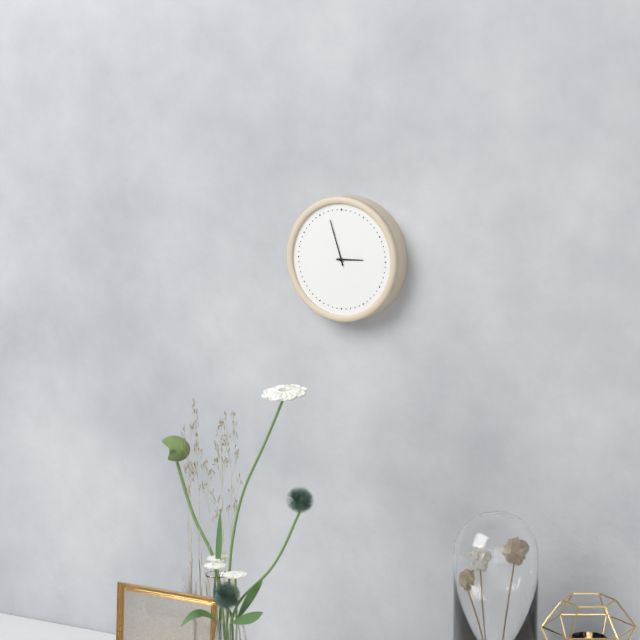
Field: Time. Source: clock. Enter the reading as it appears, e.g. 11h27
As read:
2h57
